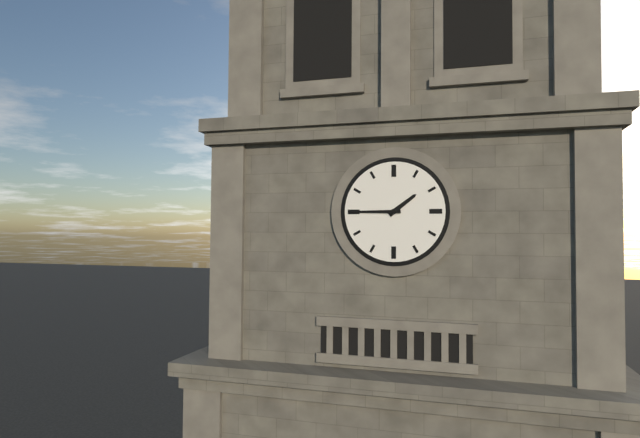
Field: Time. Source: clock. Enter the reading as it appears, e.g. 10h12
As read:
1h45
